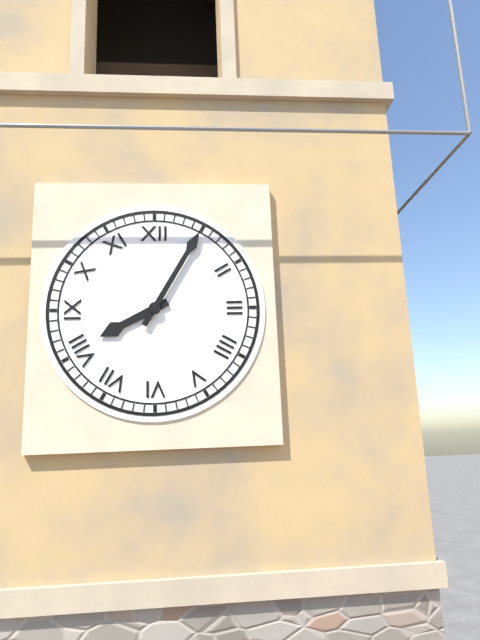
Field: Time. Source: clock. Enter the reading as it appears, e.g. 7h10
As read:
8h05
